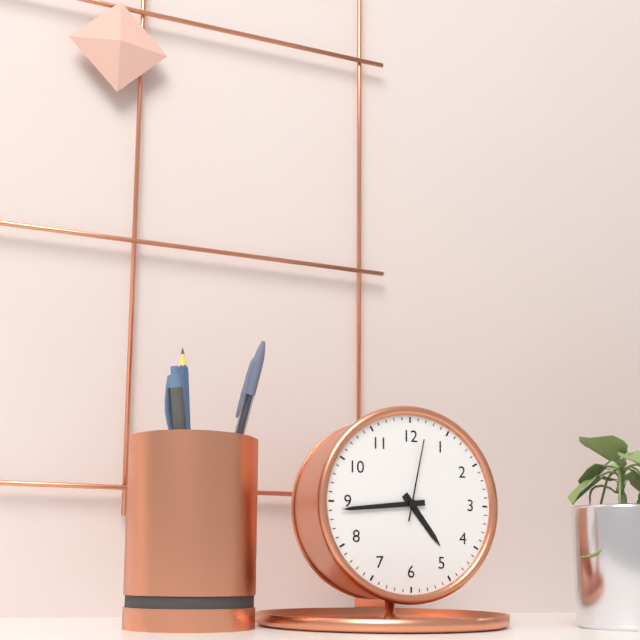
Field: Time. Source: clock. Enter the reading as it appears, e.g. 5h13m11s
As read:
4h44m02s
